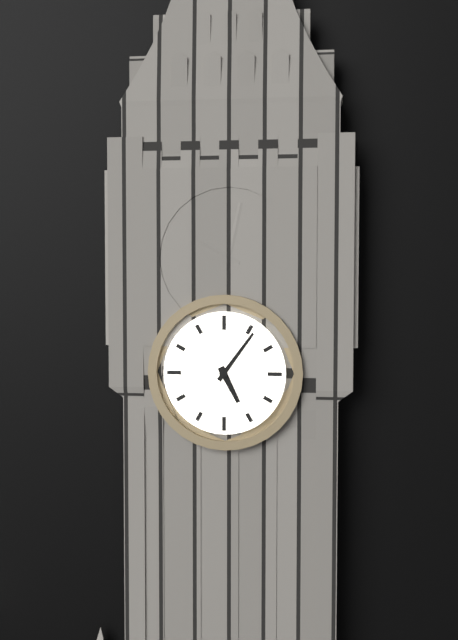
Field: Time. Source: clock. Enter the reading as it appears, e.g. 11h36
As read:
5h06
